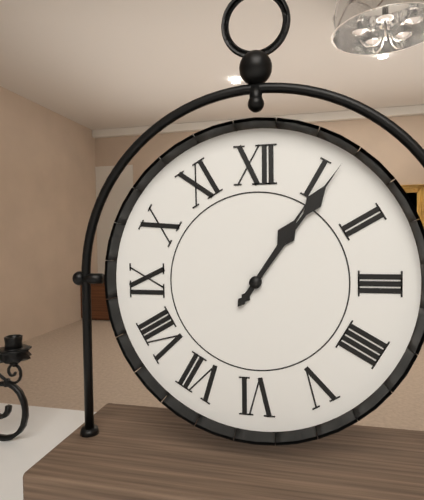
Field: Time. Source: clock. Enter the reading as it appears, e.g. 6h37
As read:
1h06
